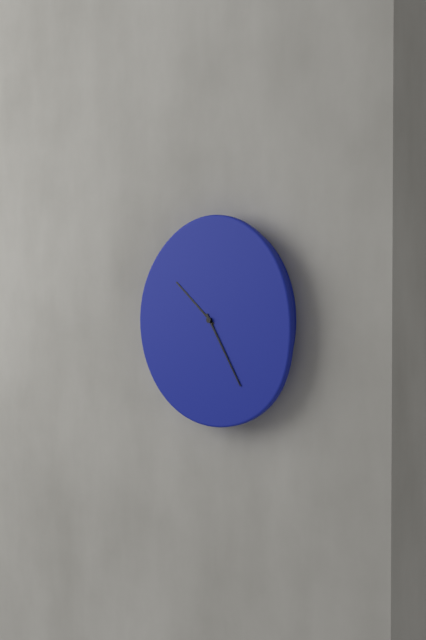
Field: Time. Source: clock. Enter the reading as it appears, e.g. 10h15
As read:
10h25
